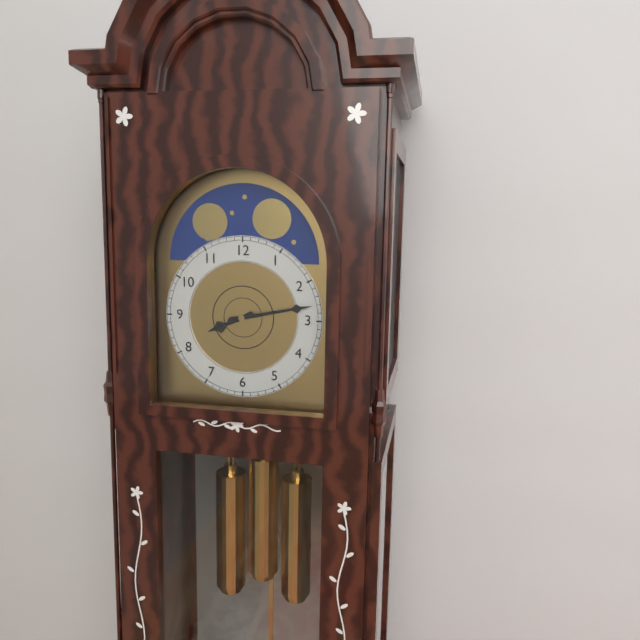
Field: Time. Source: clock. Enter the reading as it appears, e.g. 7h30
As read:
8h13
